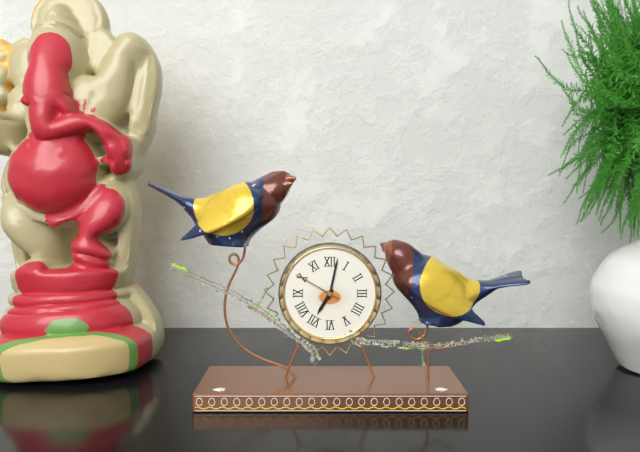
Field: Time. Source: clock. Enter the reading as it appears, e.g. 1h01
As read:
7h02
